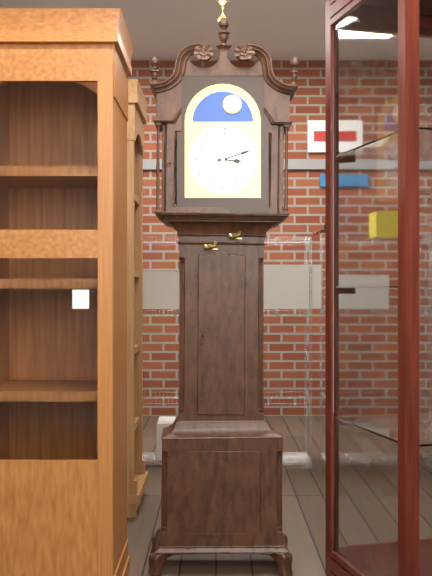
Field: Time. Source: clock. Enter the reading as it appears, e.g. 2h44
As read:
3h12
